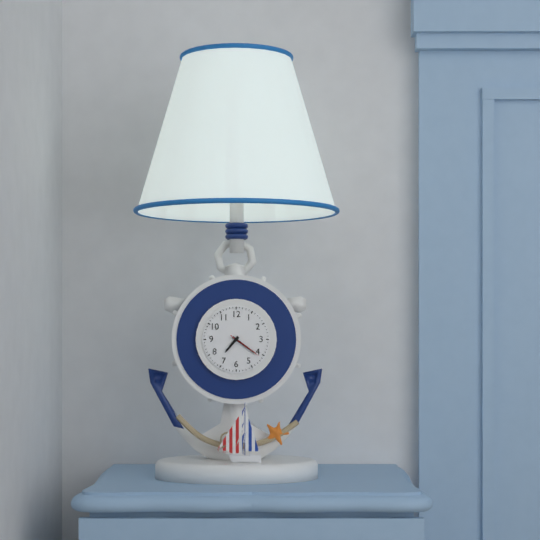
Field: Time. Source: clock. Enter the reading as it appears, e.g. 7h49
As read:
7h21
